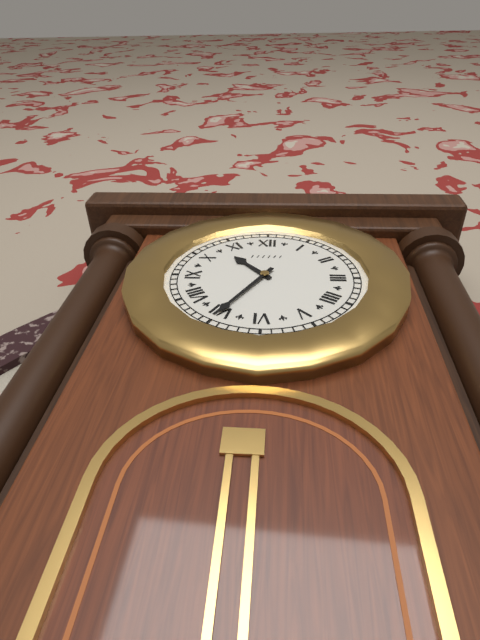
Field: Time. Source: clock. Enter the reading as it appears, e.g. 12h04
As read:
10h35
